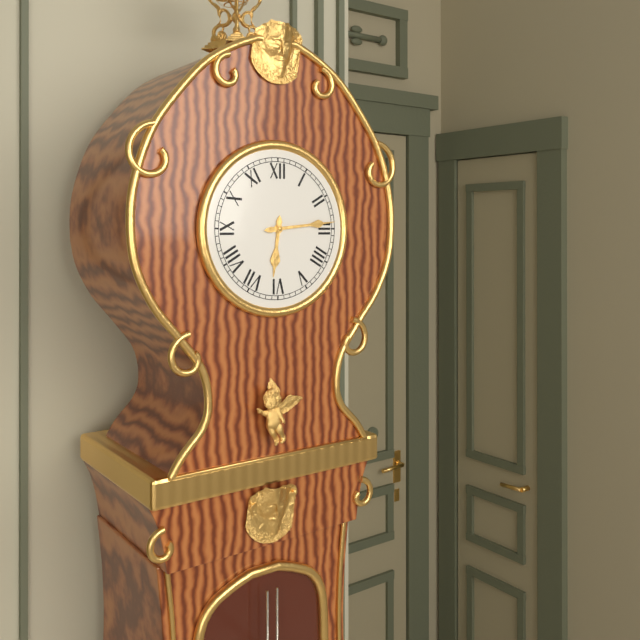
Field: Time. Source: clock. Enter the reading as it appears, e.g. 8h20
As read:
6h14
